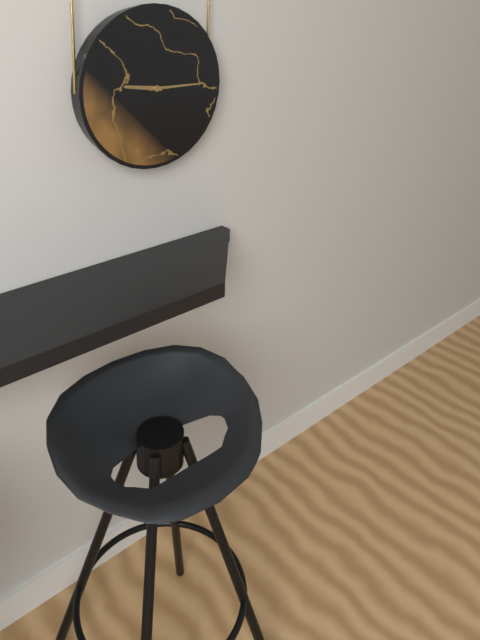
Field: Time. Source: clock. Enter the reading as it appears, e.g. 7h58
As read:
9h15
